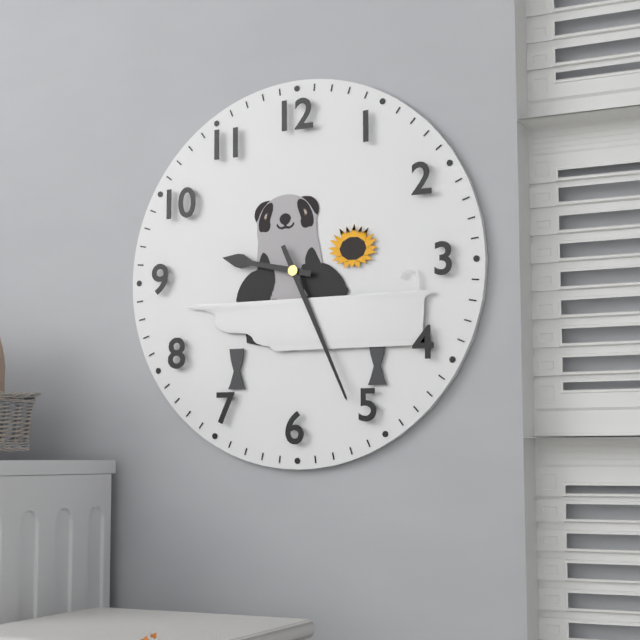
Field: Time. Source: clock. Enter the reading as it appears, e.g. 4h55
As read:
9h26
